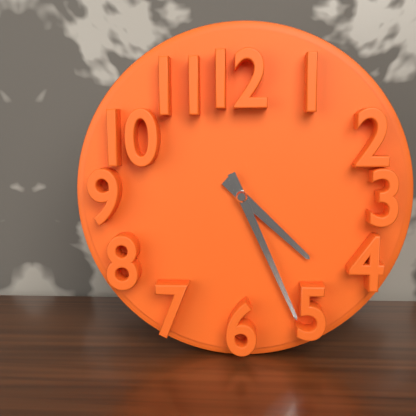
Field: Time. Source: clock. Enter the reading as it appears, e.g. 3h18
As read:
4h26
